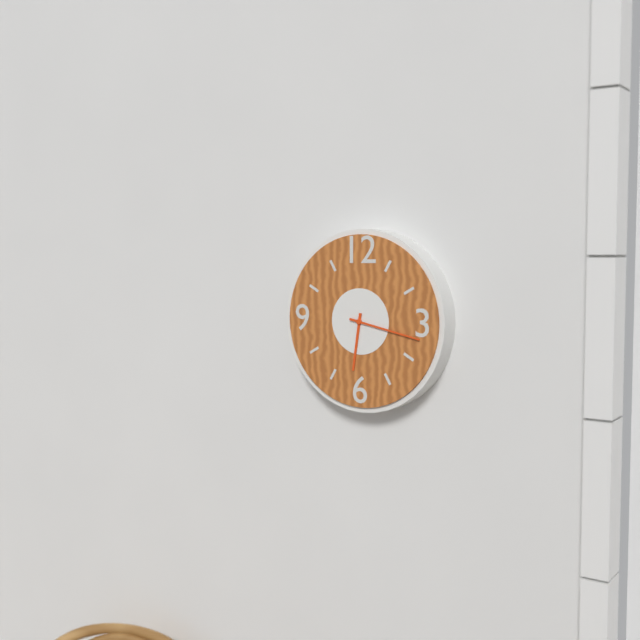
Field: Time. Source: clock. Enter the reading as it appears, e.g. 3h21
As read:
6h17
